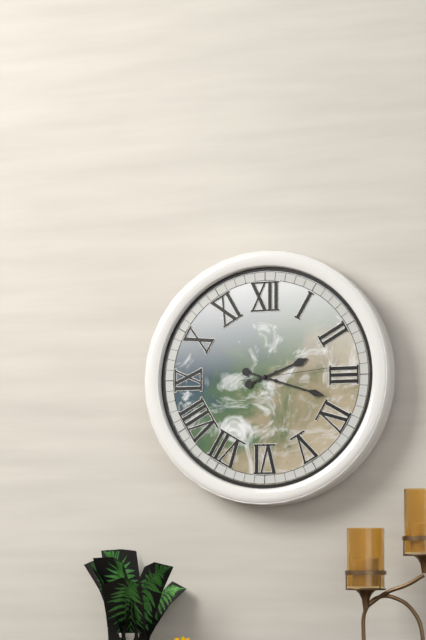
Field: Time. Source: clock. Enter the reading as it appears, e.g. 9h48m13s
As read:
2h18m14s
